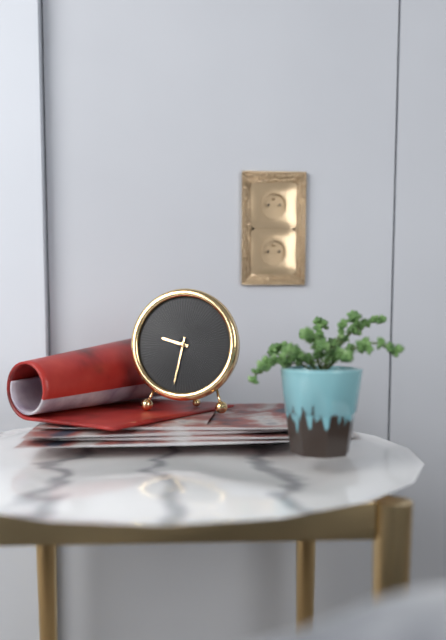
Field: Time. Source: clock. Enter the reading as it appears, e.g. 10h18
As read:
9h32
